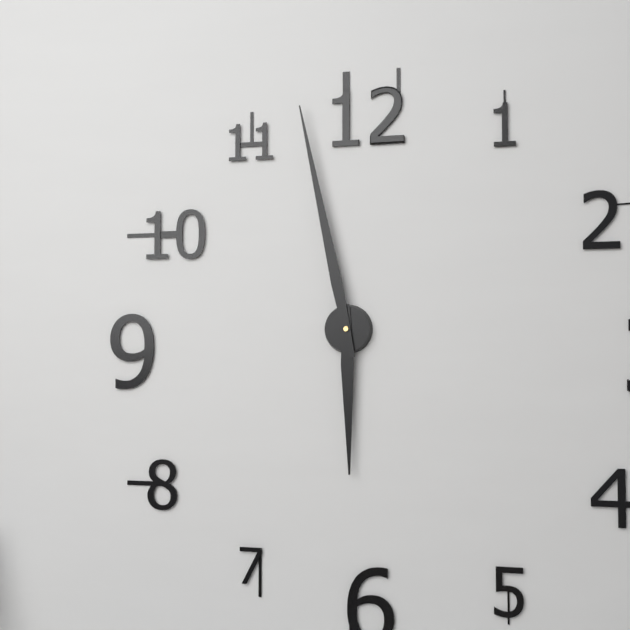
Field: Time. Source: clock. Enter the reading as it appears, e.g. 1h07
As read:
5h58
